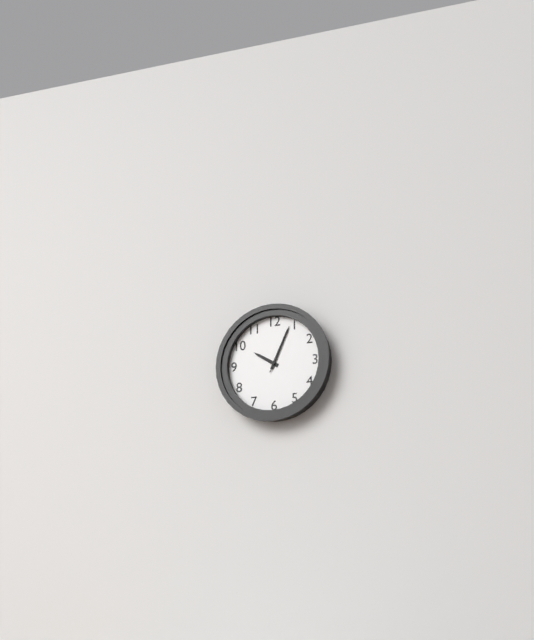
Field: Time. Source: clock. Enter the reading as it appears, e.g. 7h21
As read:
10h04
